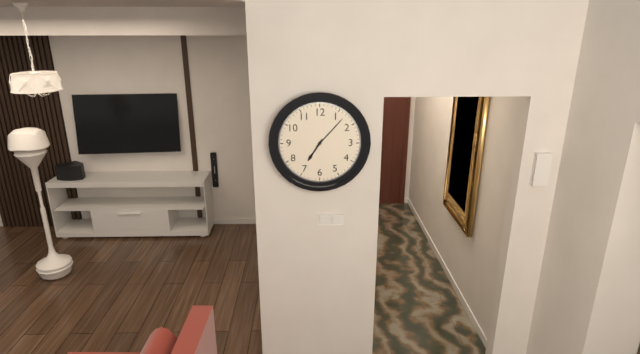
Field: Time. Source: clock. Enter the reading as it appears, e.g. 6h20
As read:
7h07
